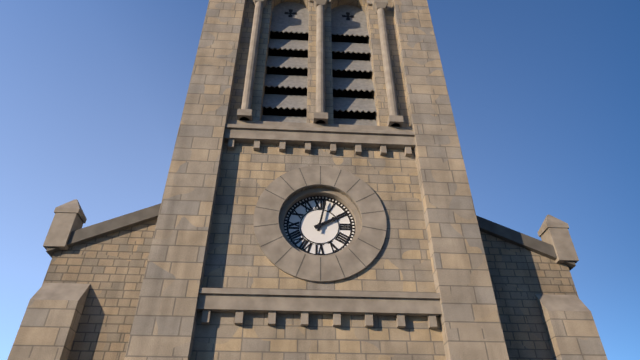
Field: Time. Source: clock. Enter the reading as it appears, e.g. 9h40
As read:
2h02
